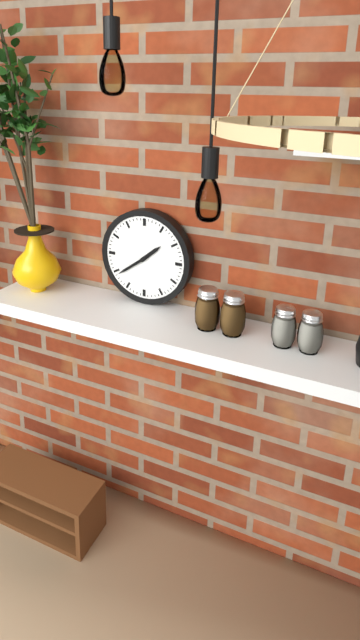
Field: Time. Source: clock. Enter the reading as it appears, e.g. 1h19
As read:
1h39
